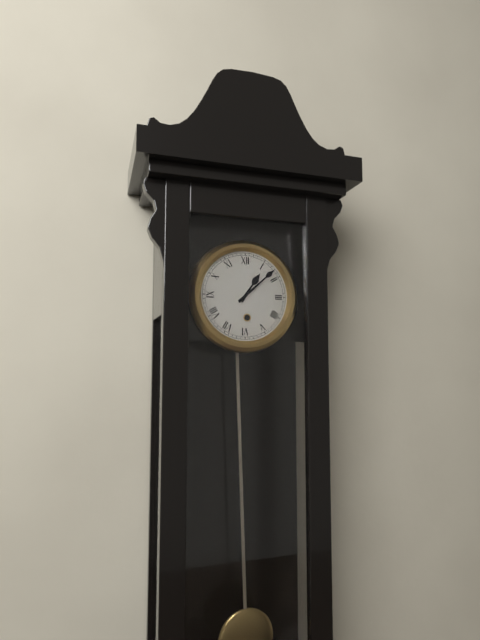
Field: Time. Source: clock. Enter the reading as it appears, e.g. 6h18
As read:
1h08
